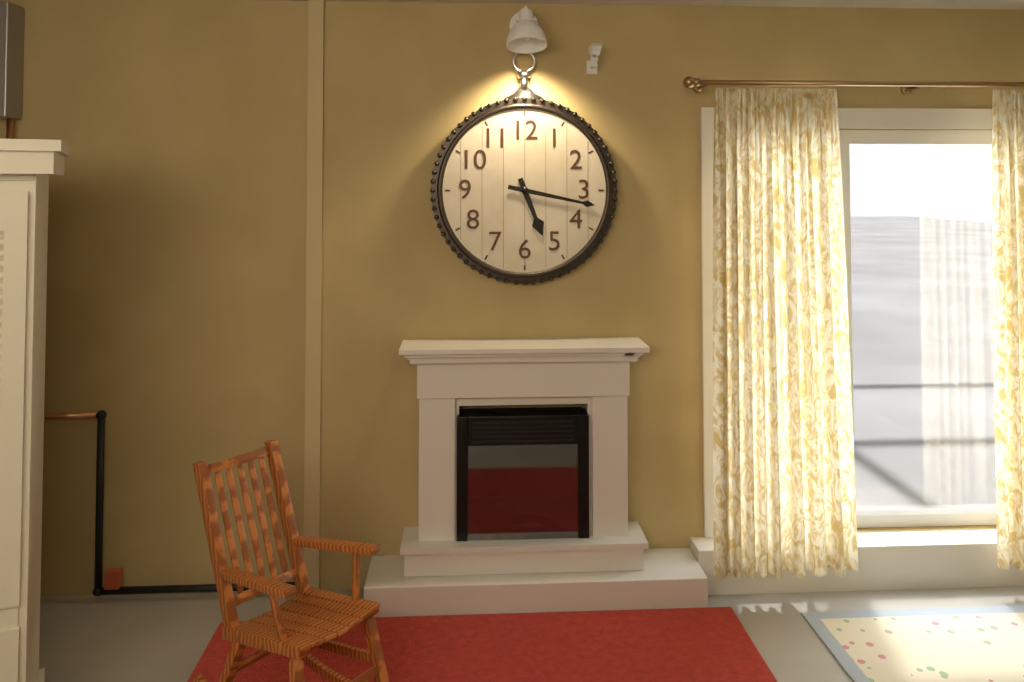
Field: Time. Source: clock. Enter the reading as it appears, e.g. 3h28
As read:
5h17
